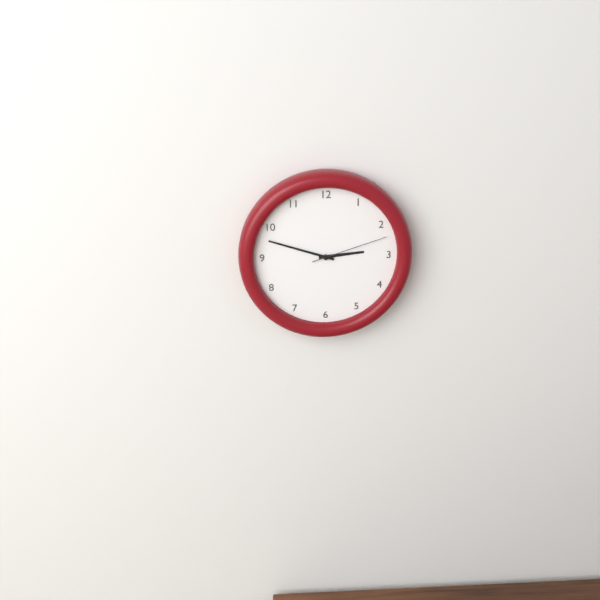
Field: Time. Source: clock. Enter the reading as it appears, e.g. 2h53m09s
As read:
2h48m12s
